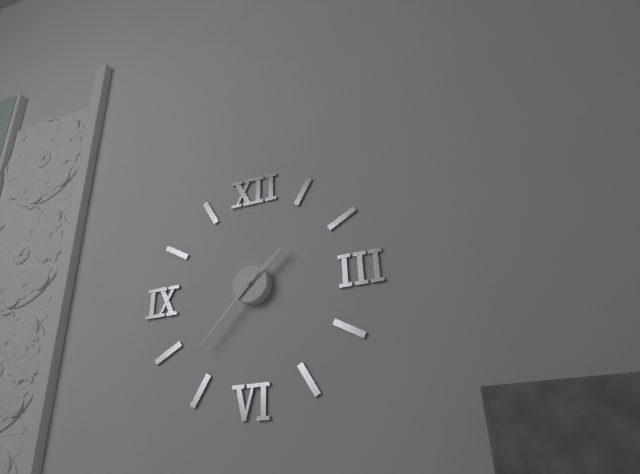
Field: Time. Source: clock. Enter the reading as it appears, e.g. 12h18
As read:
1h37
